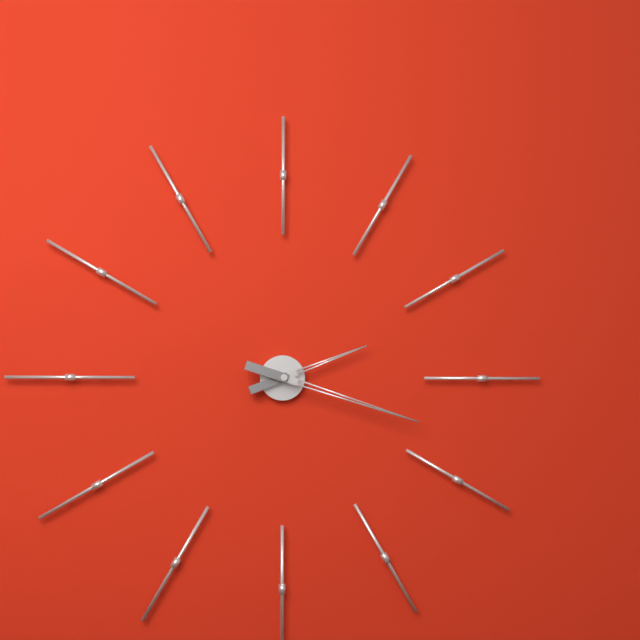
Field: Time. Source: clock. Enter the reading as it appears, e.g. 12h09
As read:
2h18
